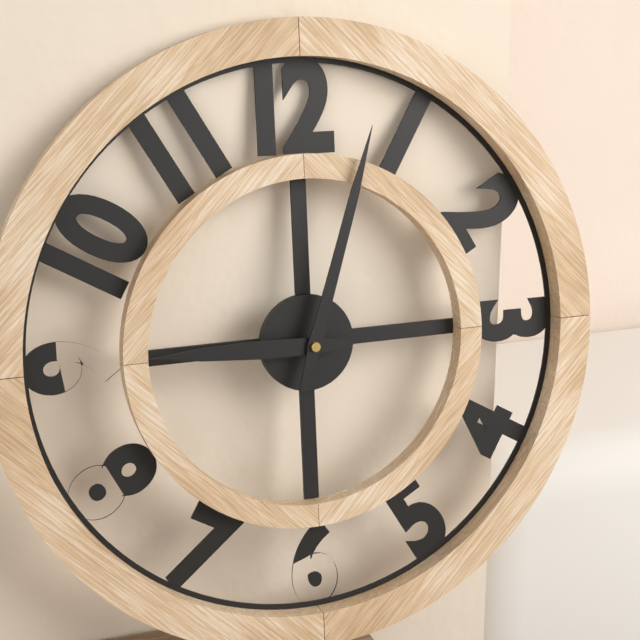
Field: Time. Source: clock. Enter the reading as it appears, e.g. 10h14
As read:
9h03
